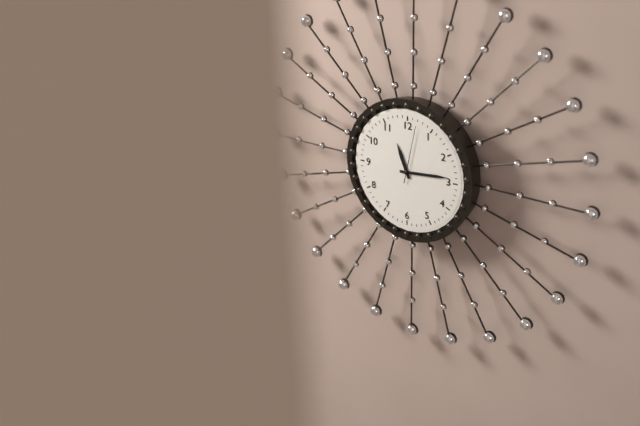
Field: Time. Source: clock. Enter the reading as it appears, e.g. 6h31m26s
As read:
11h14m02s
